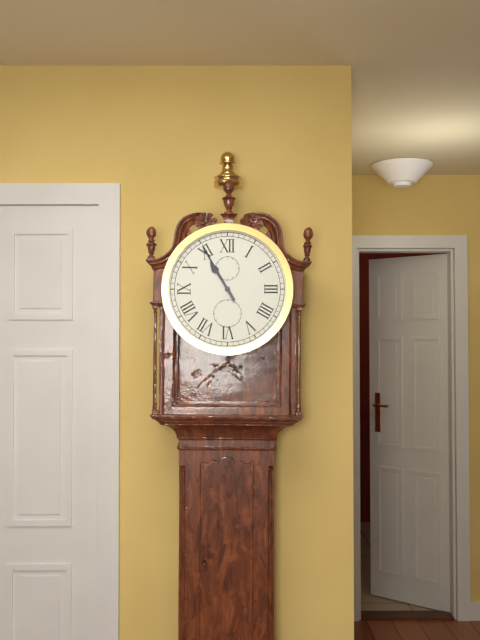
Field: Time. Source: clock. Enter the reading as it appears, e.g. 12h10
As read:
10h55
